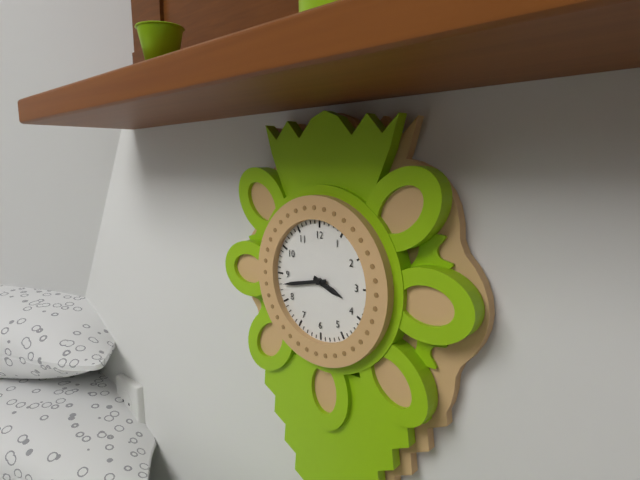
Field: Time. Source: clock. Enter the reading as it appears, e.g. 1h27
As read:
3h43
